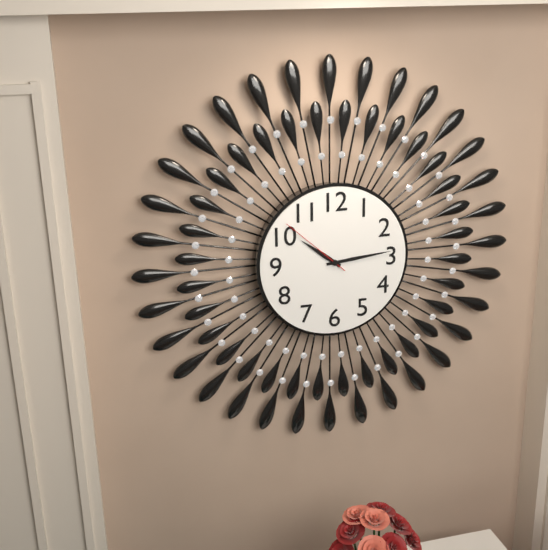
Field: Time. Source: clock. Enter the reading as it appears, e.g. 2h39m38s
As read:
10h14m52s
